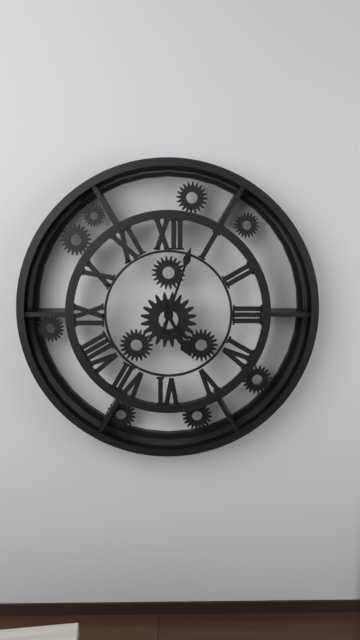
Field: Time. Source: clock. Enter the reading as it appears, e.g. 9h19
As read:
5h03
